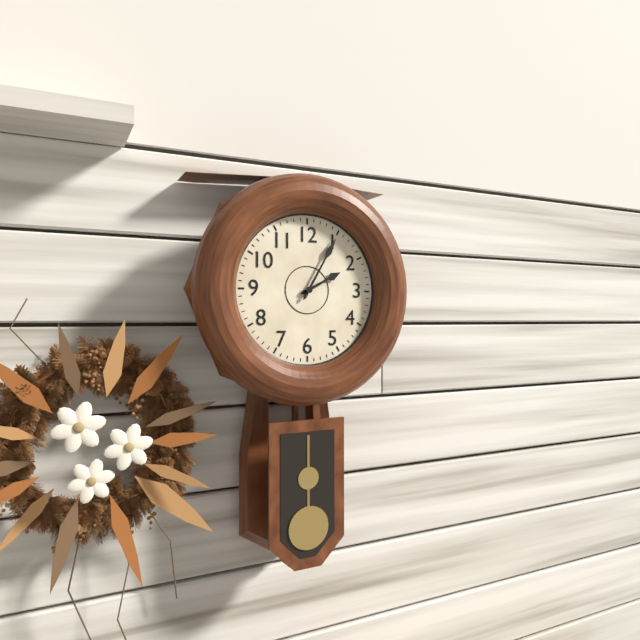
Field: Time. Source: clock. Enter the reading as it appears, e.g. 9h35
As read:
2h05
